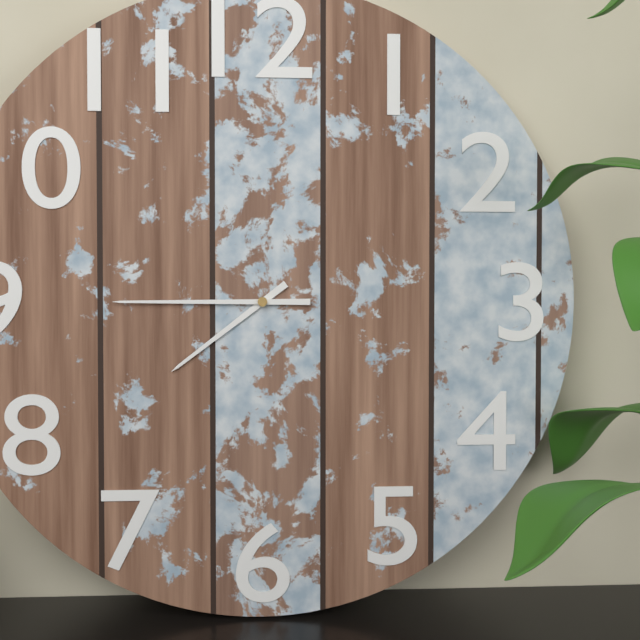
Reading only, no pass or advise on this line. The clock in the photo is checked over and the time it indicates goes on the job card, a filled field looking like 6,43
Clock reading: 7,45
